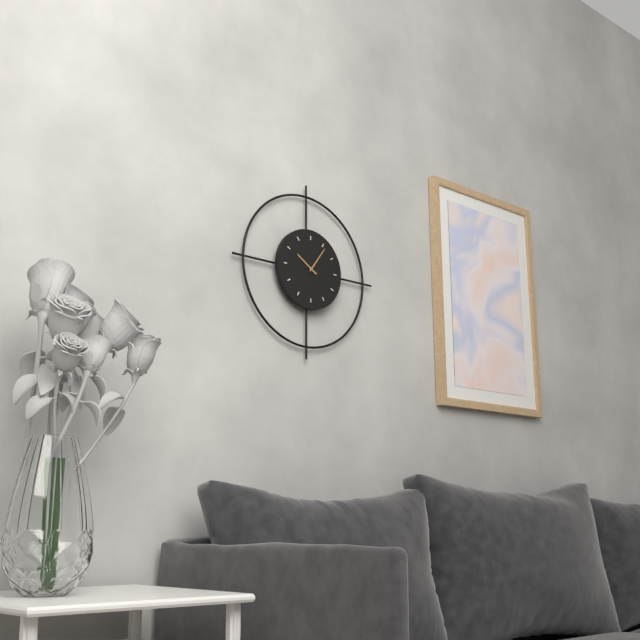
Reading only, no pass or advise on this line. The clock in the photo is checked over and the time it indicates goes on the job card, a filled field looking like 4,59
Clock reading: 10,06
